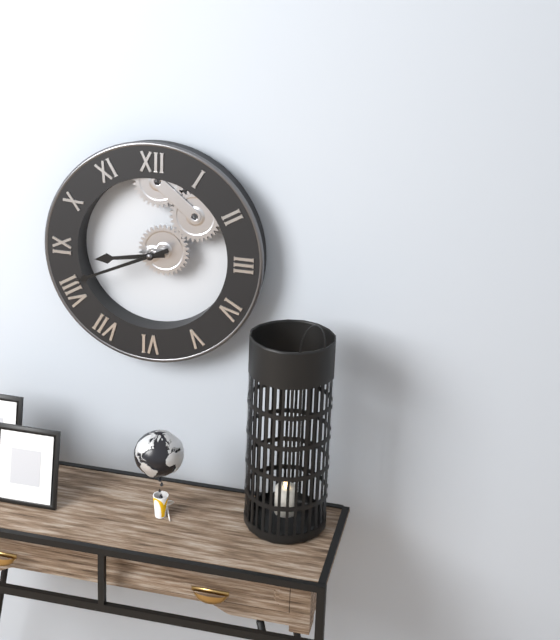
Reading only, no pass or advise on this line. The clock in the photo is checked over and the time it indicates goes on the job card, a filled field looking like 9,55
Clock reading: 8,41
